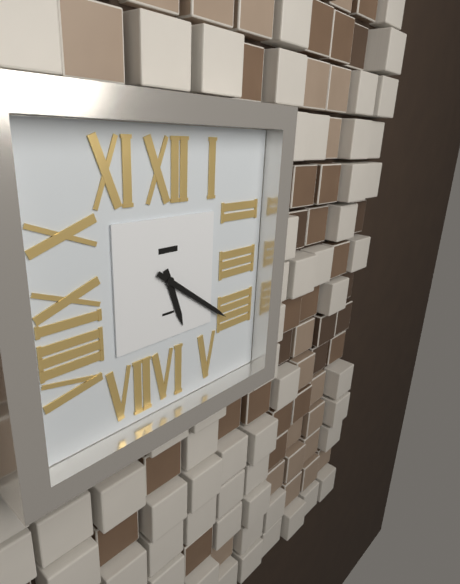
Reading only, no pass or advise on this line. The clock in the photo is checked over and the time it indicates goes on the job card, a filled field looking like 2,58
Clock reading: 5,21
